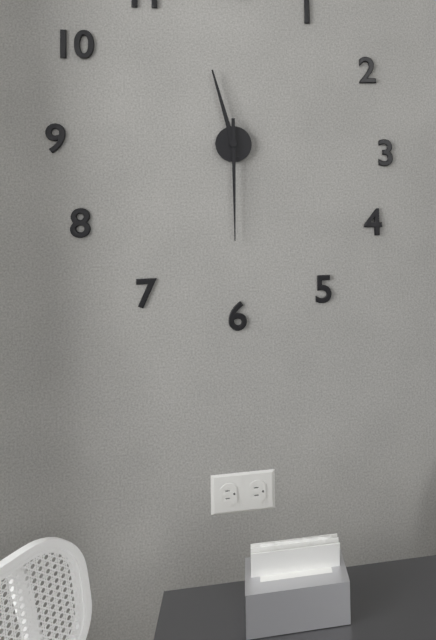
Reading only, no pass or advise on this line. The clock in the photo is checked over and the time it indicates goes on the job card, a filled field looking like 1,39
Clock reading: 11,30
